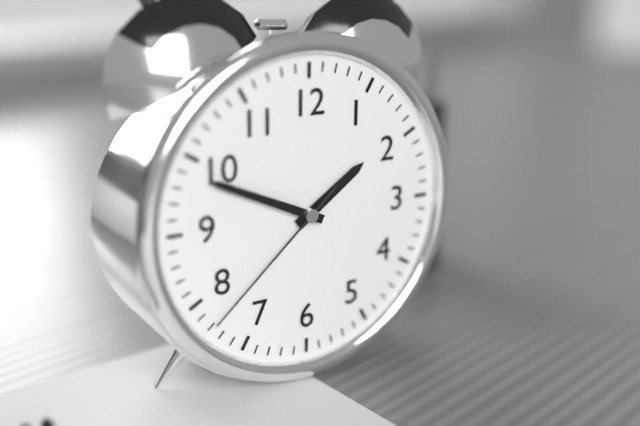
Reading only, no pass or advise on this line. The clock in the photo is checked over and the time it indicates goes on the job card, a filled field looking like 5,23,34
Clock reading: 1,49,38
